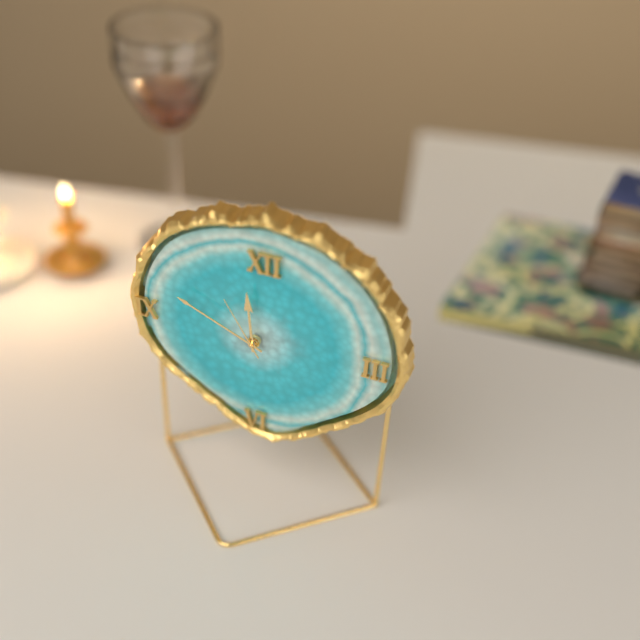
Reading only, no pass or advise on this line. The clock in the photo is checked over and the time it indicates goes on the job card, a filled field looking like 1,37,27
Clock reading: 11,49,55
